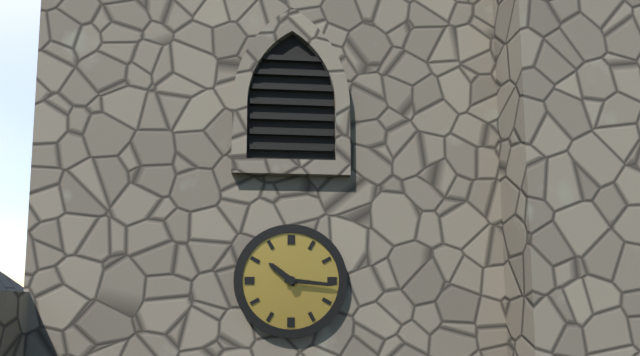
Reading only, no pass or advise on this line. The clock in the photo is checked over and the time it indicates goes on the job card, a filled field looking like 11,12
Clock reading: 10,16
